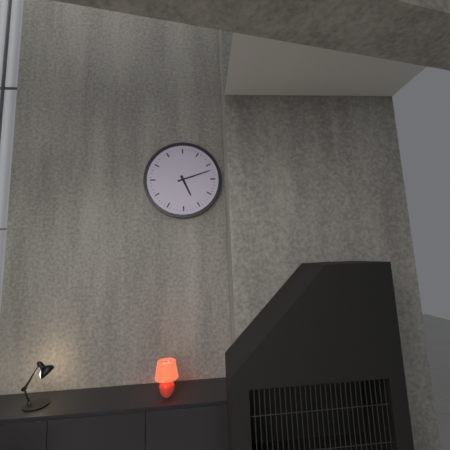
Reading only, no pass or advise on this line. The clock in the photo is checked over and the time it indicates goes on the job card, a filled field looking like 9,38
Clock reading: 5,12
